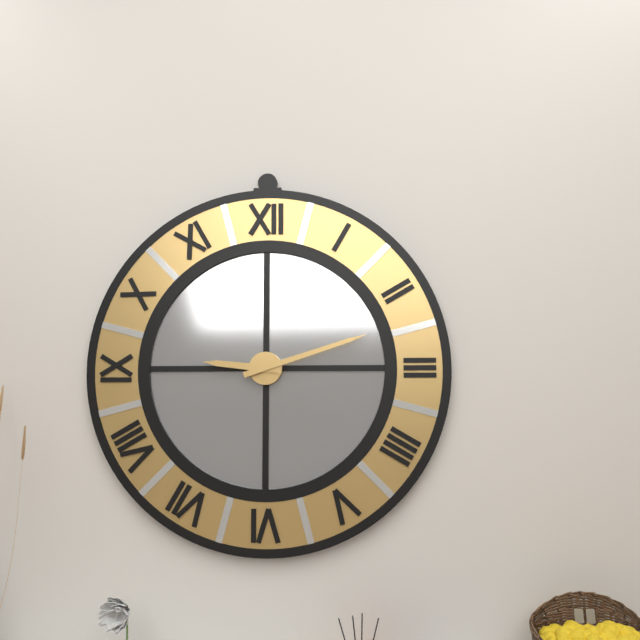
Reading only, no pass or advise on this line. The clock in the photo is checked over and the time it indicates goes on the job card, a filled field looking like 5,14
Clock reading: 9,12
